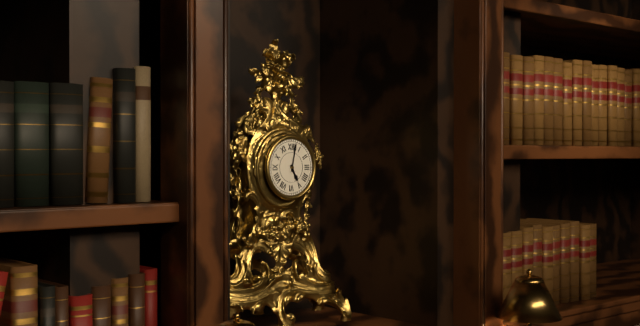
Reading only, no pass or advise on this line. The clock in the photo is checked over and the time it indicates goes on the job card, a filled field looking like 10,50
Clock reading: 5,02
